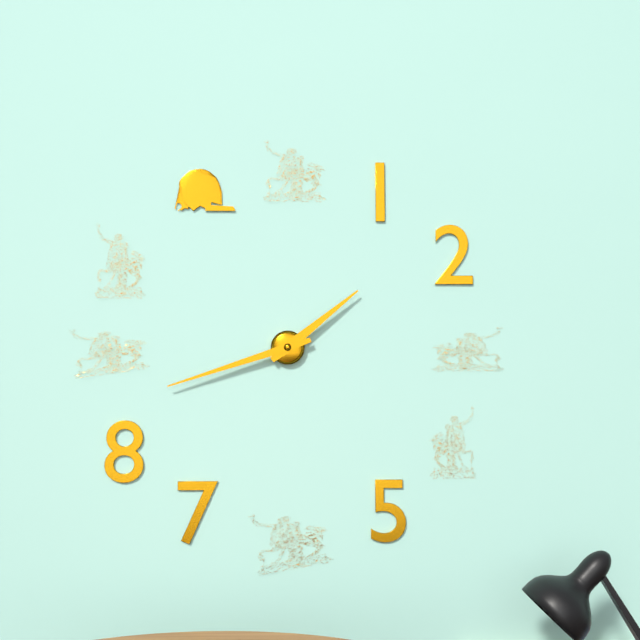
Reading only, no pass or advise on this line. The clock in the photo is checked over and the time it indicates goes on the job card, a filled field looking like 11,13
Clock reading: 1,42
